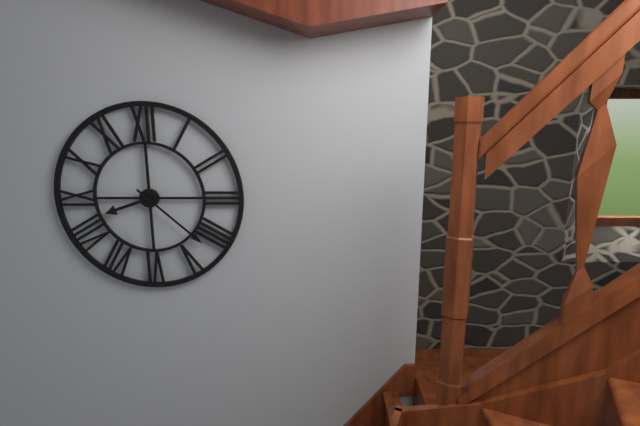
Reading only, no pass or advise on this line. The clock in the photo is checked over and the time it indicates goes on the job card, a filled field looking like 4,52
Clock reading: 8,22
